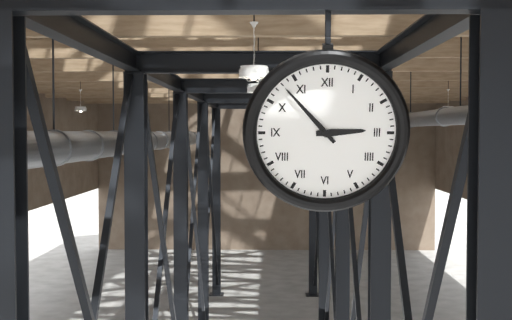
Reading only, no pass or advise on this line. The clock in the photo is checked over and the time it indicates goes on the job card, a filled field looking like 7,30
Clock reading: 2,53
